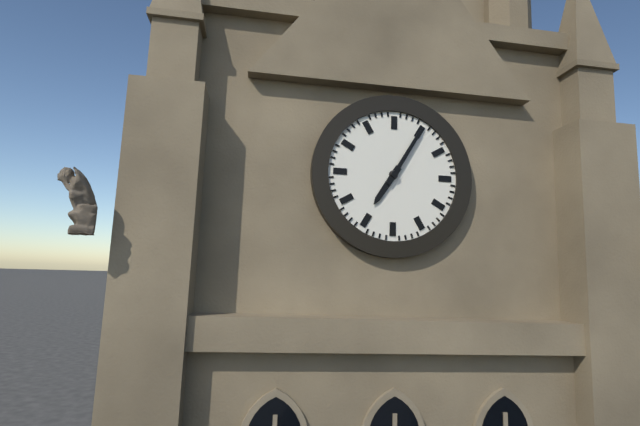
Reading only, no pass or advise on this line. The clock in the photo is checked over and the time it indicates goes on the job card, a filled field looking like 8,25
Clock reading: 7,05
